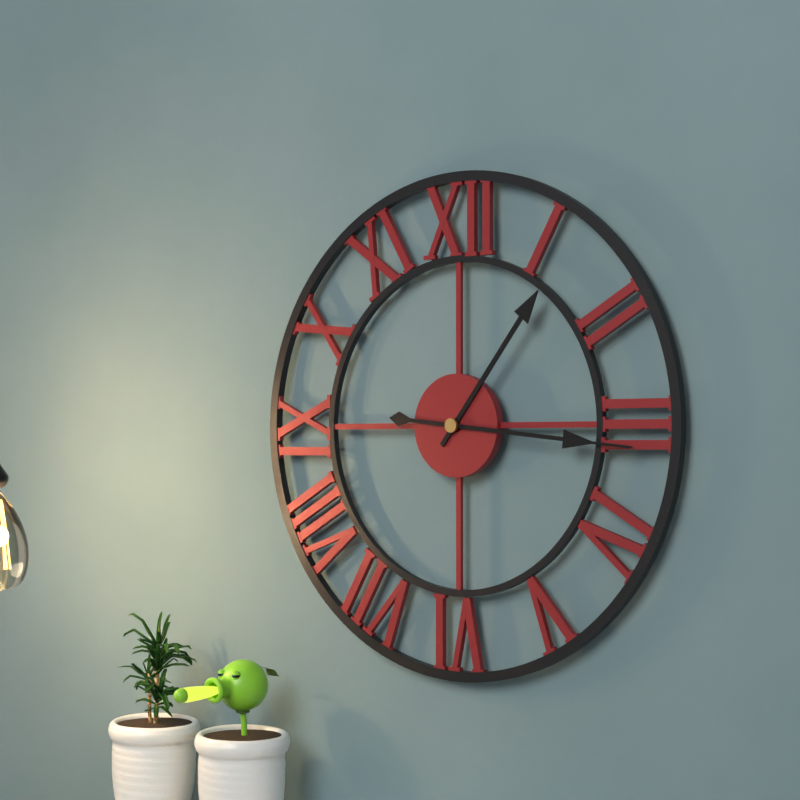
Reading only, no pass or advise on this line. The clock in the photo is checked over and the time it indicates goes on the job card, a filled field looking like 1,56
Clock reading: 1,16
